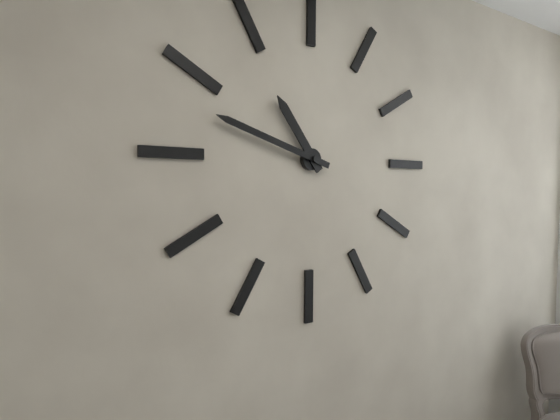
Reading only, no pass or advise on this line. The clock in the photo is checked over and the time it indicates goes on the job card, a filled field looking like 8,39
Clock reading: 10,48
